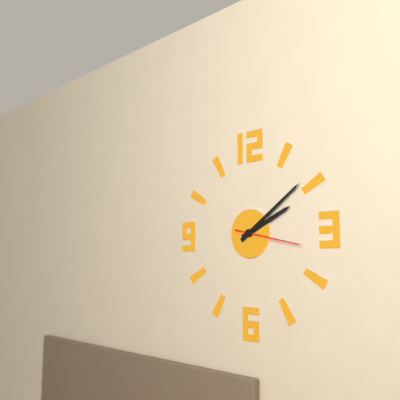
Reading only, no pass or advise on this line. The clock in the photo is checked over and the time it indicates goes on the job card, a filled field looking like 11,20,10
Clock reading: 2,09,17
